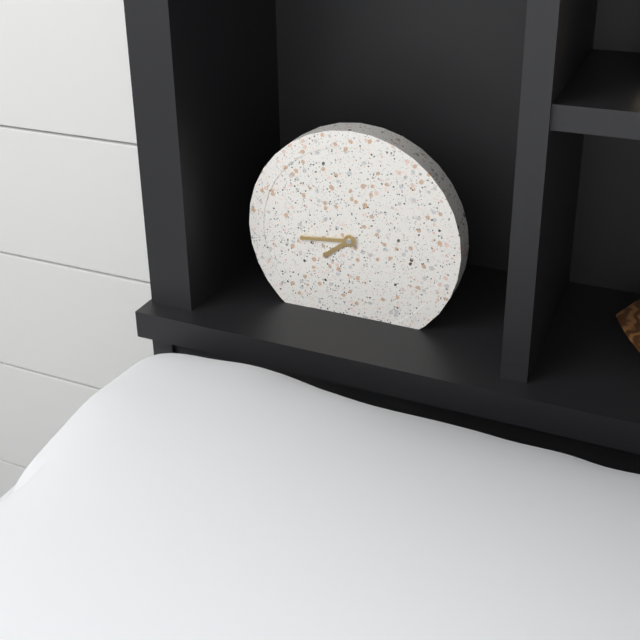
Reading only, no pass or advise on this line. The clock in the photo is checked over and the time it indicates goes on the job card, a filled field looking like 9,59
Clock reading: 7,44
